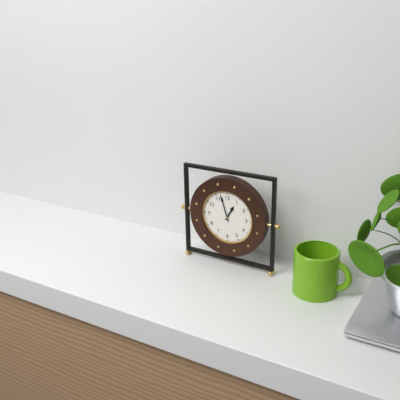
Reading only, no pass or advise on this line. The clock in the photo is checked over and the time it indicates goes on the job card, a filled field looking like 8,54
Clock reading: 12,57
